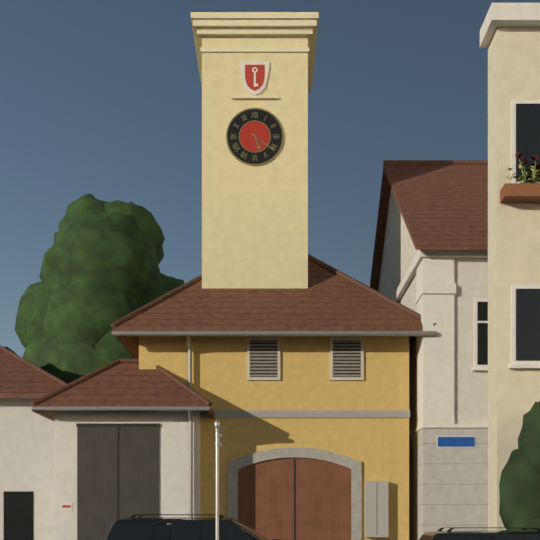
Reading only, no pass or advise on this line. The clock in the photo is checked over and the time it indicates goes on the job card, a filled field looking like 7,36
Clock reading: 5,21
